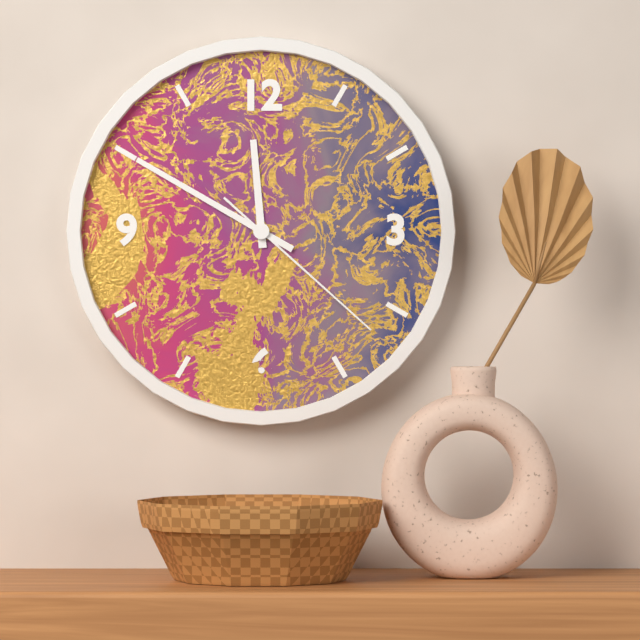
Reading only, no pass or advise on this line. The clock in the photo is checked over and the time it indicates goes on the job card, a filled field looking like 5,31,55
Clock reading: 11,50,22
